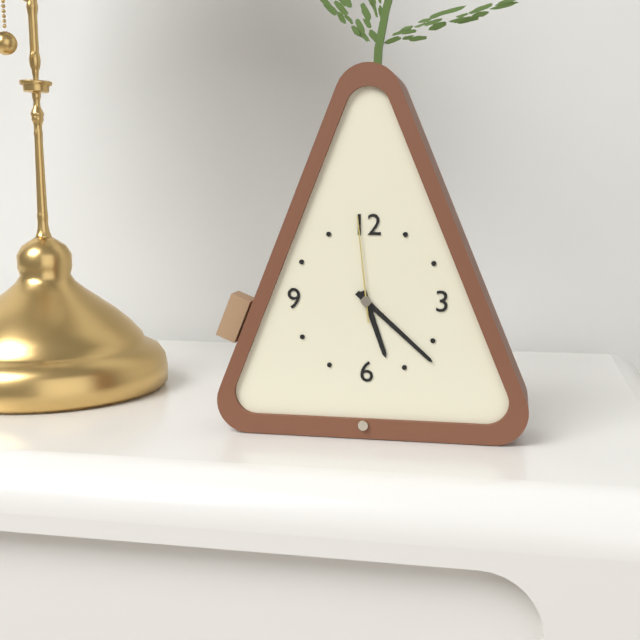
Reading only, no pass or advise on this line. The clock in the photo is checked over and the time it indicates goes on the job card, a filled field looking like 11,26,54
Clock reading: 5,22,59
